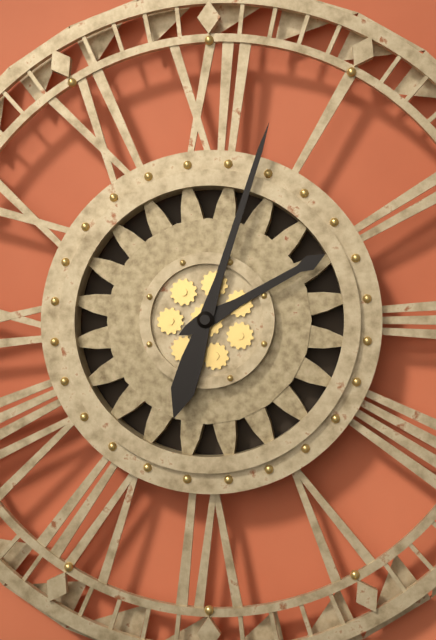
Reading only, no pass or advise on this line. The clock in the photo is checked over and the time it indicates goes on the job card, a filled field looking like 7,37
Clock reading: 2,03
